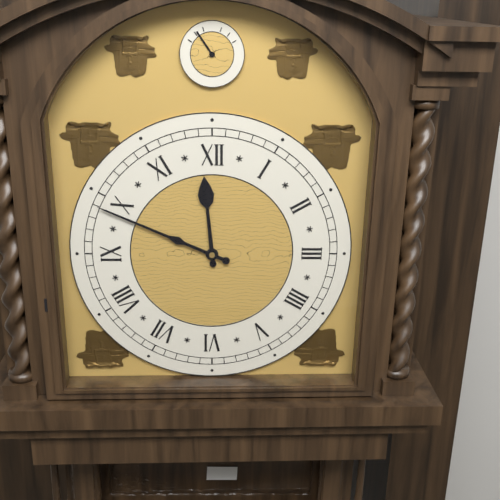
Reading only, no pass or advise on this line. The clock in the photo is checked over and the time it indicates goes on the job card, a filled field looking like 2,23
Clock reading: 11,49
